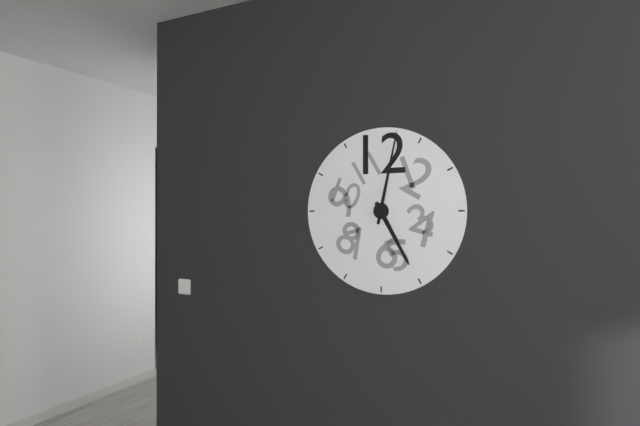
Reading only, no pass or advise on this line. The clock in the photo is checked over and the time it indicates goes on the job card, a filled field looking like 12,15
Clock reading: 5,02
